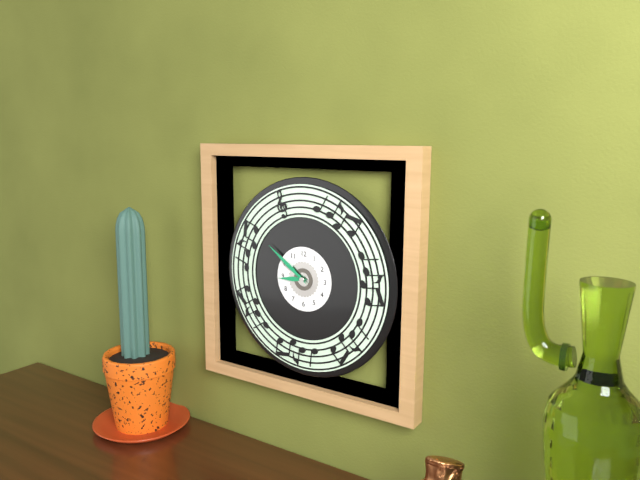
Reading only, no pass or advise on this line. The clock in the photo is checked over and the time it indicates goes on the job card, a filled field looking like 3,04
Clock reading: 8,51
